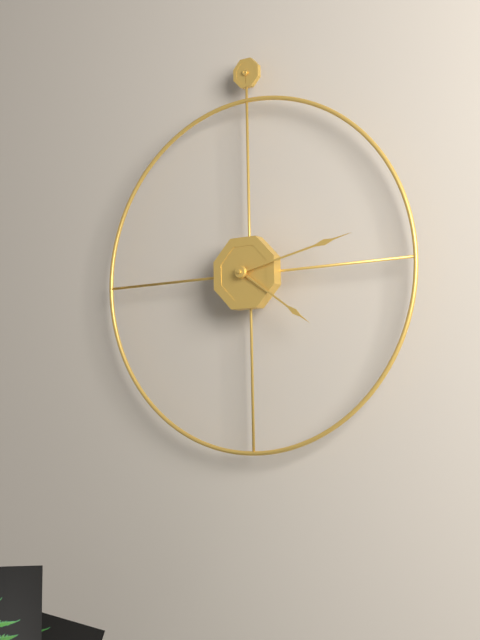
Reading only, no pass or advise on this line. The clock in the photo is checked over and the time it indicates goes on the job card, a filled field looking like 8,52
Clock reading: 4,13
